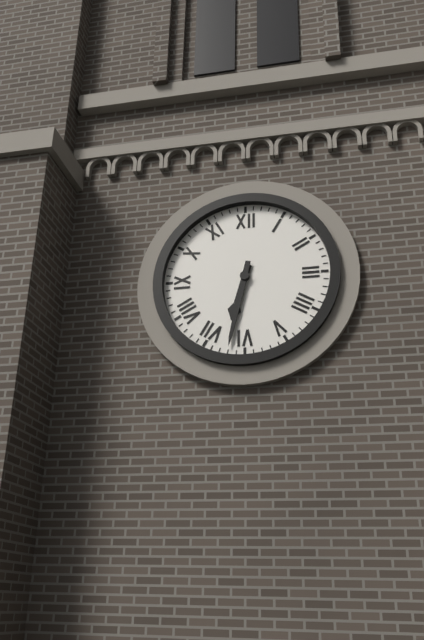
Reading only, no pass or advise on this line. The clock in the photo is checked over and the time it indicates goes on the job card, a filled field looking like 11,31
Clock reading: 6,32
